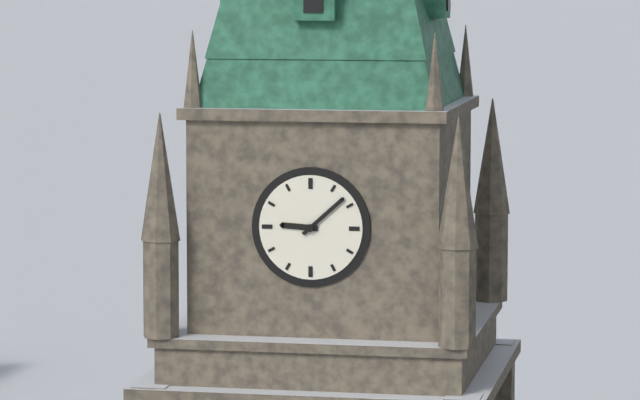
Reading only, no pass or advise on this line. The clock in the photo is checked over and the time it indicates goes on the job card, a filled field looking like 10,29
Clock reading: 9,08
